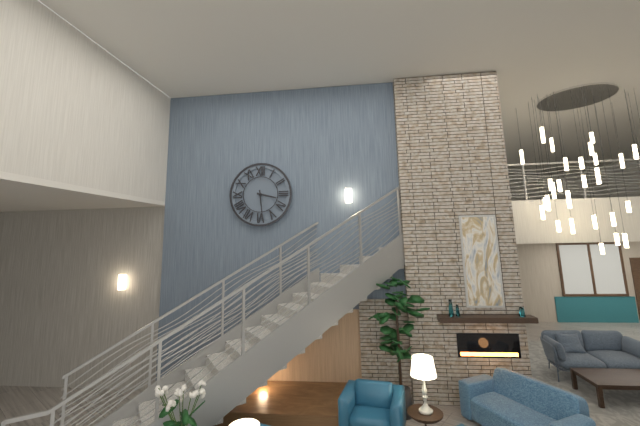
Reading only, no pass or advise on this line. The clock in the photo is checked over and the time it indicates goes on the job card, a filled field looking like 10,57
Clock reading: 3,29
